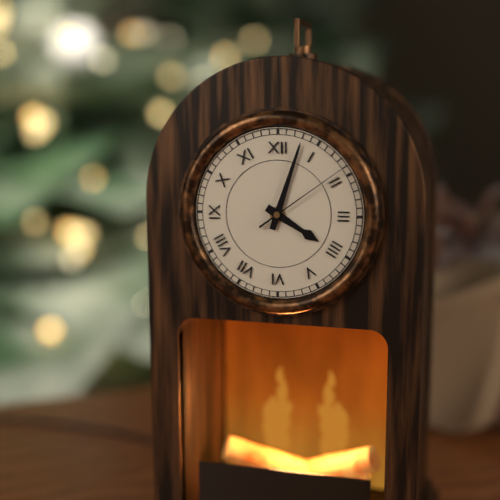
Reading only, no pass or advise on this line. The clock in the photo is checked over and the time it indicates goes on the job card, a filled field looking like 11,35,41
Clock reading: 4,03,09
